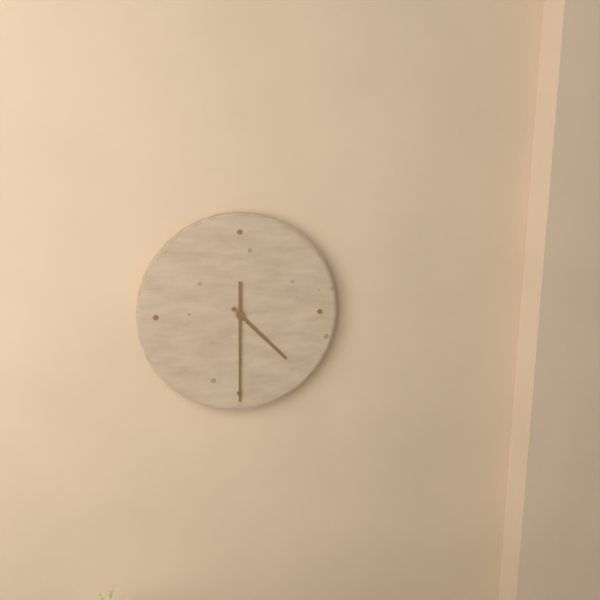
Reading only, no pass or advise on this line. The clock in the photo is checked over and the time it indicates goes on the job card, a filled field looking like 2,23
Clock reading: 4,30
